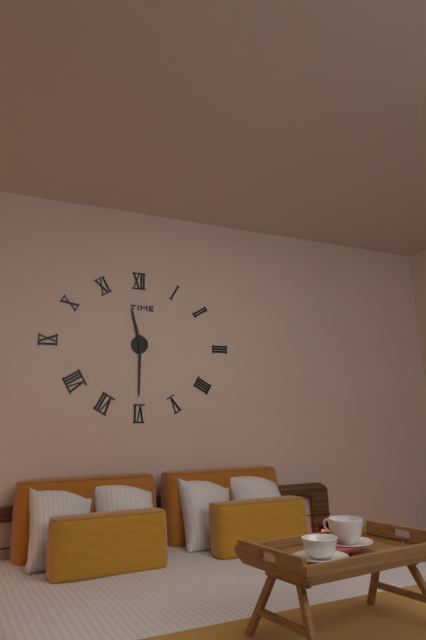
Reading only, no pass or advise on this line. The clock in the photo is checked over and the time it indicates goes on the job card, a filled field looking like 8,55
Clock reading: 11,30
